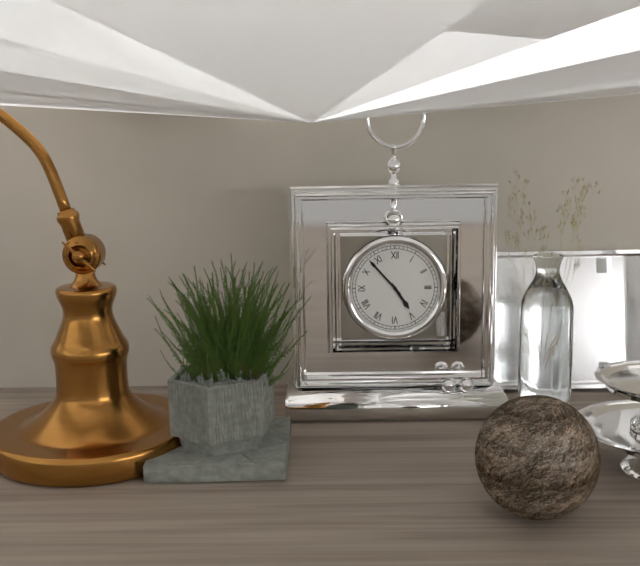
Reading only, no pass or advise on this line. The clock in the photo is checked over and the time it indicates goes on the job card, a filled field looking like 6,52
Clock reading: 4,53
